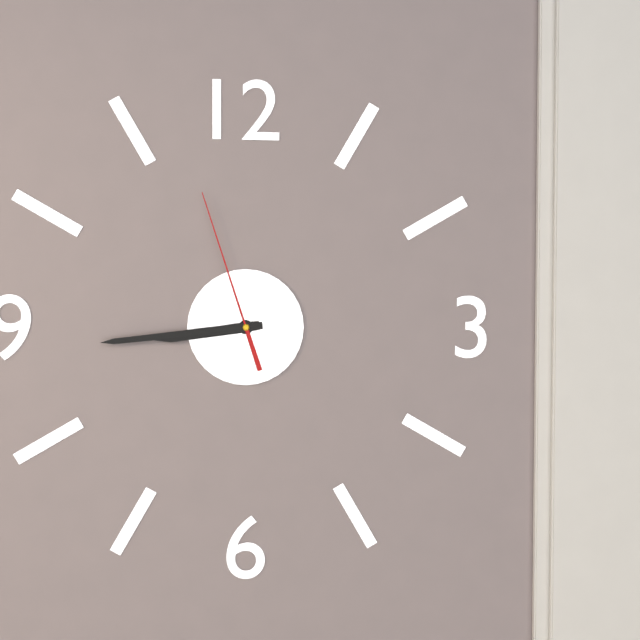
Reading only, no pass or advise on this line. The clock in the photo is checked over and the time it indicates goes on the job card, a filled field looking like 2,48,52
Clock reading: 8,44,57
